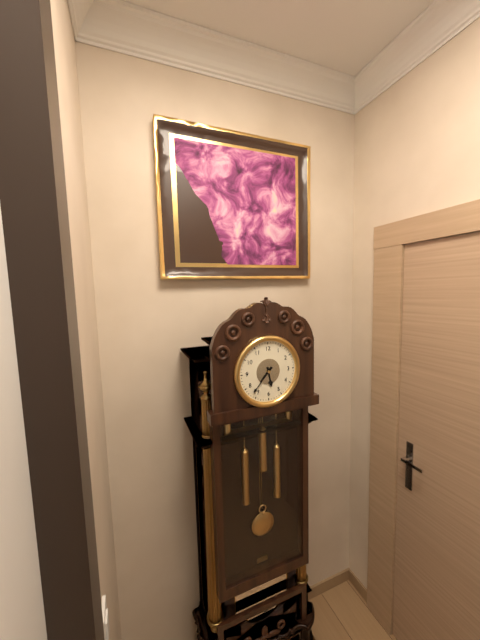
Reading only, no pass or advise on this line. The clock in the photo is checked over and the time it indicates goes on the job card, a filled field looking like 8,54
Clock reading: 5,37
